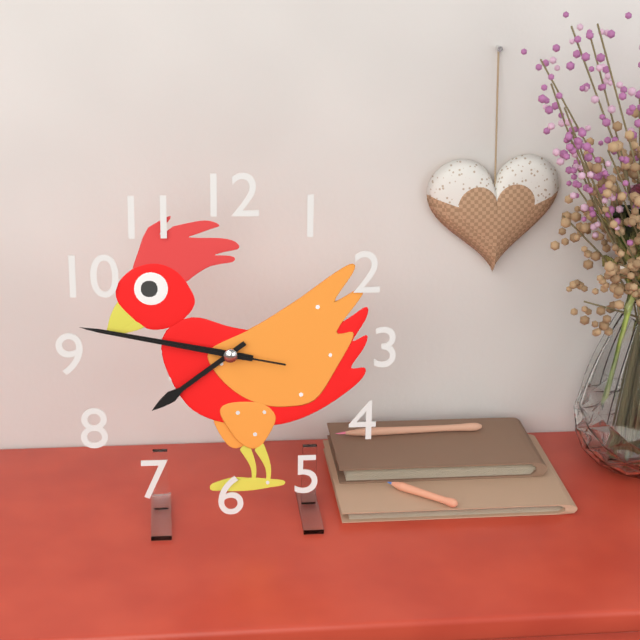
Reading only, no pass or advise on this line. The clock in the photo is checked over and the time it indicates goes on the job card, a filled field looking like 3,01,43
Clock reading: 7,47,47
